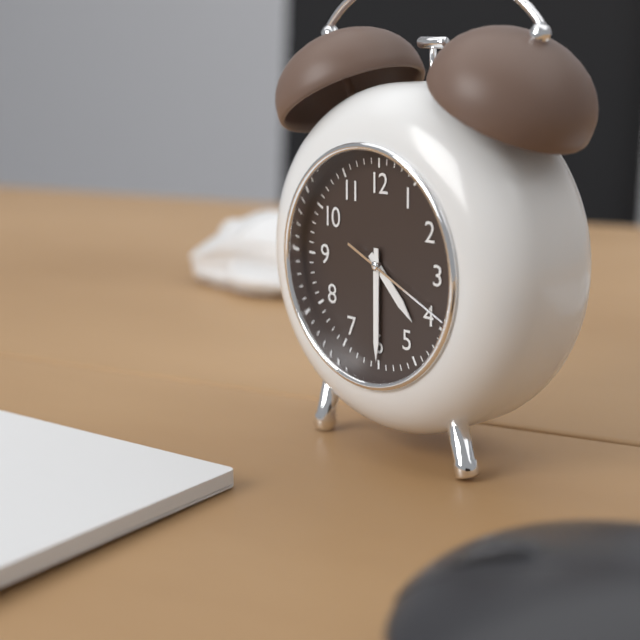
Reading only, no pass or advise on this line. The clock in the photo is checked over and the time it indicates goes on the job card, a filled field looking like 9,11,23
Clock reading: 4,30,19
